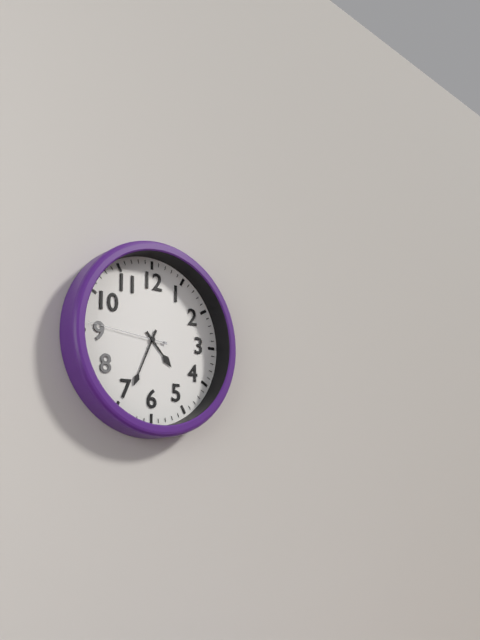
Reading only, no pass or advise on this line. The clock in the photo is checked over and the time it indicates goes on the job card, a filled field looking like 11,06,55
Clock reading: 4,34,46
